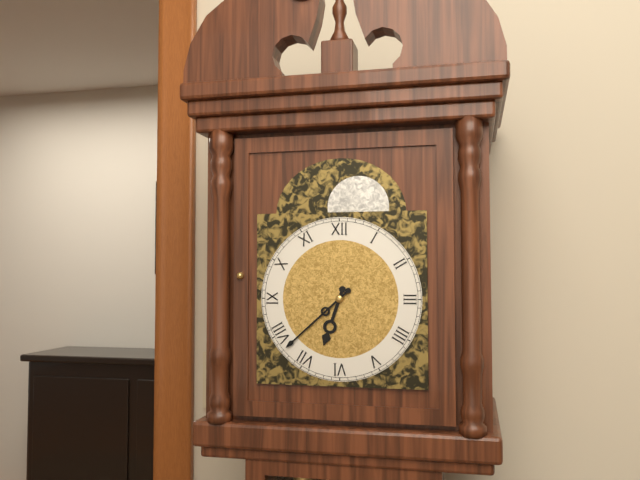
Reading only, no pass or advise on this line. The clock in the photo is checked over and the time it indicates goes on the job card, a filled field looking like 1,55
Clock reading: 6,38
